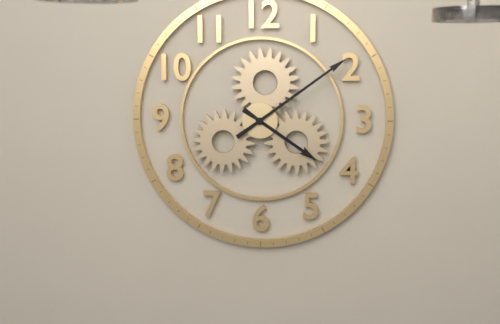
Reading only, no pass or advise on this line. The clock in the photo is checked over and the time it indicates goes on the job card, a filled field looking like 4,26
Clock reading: 4,09
